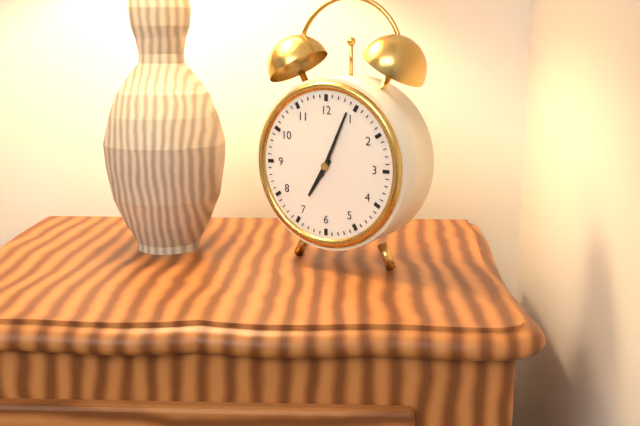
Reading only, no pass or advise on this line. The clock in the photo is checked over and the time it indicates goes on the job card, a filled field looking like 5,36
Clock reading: 7,04
